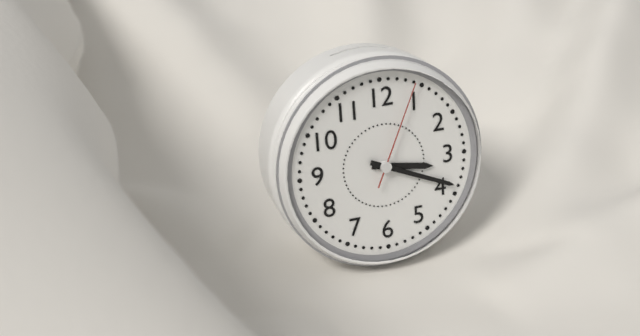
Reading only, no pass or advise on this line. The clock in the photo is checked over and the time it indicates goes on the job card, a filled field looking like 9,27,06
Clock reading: 3,19,04
